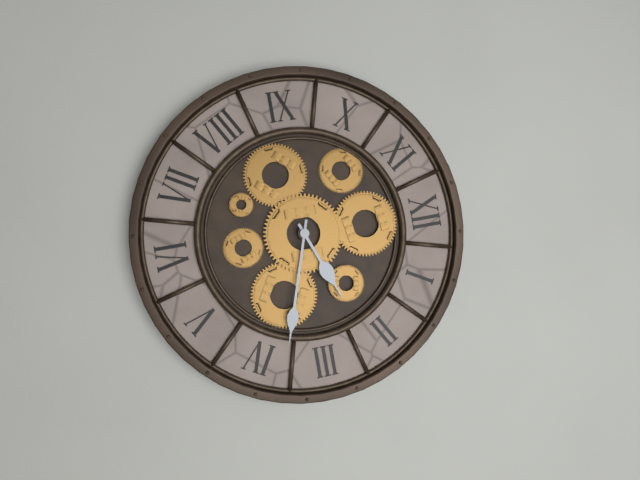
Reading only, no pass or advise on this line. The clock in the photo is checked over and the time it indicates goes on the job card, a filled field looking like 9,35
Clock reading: 2,18
